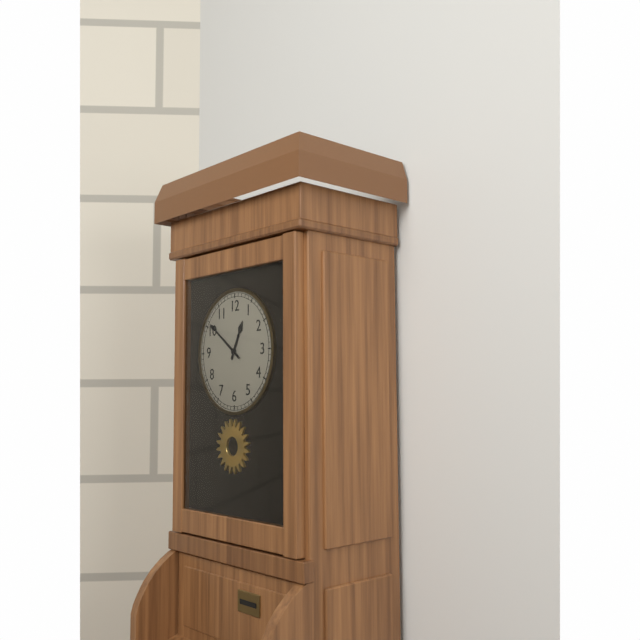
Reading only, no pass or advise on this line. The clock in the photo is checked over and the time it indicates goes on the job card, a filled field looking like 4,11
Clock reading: 12,51
